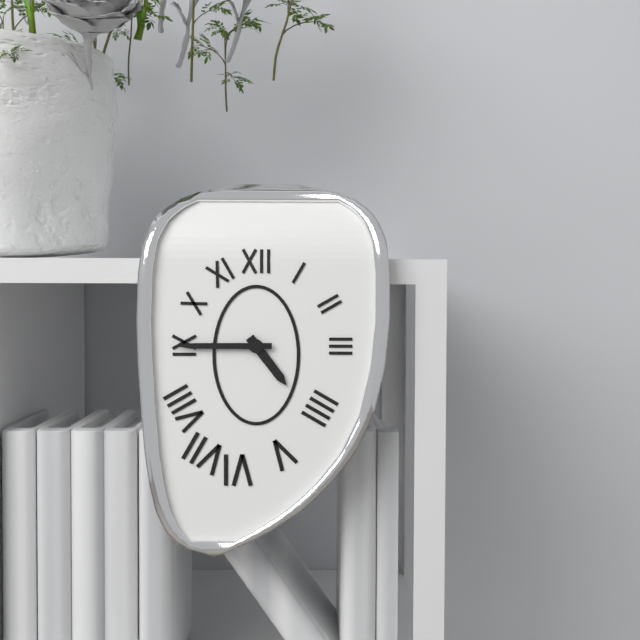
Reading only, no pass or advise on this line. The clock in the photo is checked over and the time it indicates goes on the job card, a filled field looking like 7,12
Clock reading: 4,45
